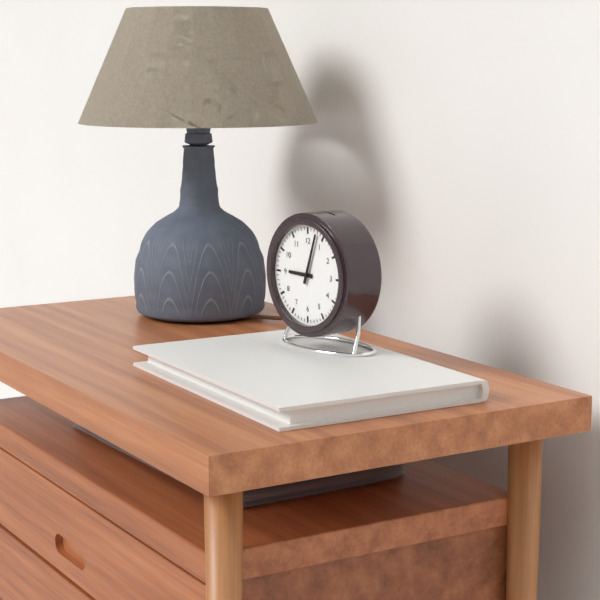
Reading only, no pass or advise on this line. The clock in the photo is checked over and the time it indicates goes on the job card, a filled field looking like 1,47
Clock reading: 9,03
